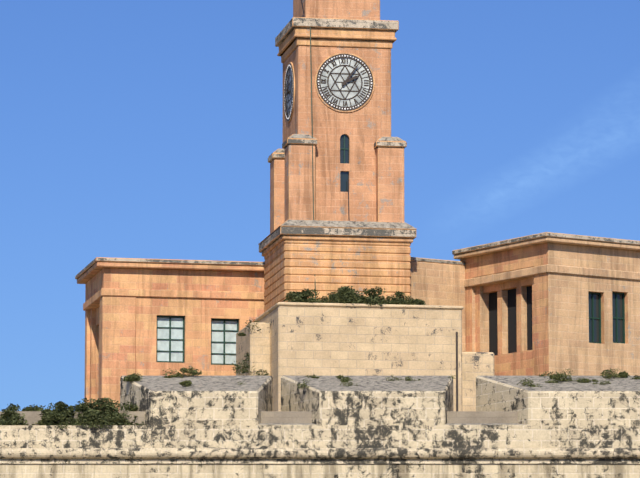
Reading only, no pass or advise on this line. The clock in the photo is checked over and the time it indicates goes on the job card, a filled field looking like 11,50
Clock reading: 2,06
